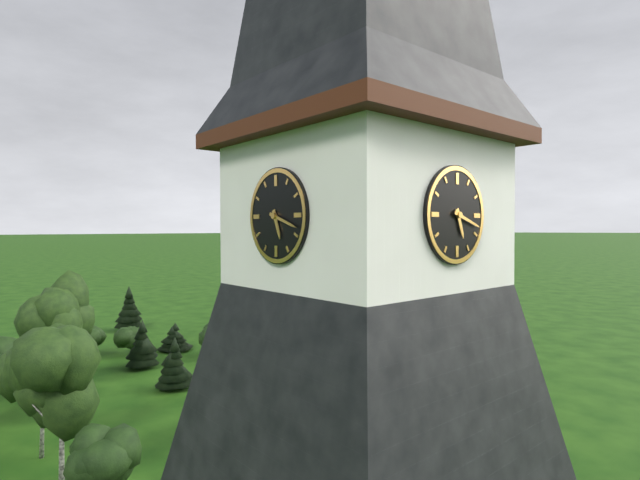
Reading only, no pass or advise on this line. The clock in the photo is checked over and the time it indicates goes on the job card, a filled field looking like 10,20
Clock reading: 5,18
